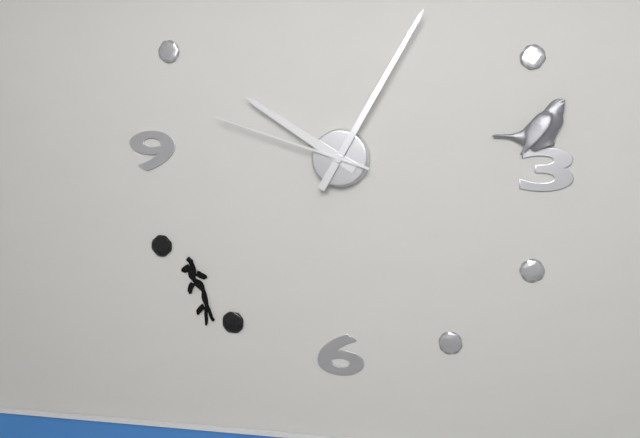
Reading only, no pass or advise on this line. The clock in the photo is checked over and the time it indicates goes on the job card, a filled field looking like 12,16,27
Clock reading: 10,05,48
